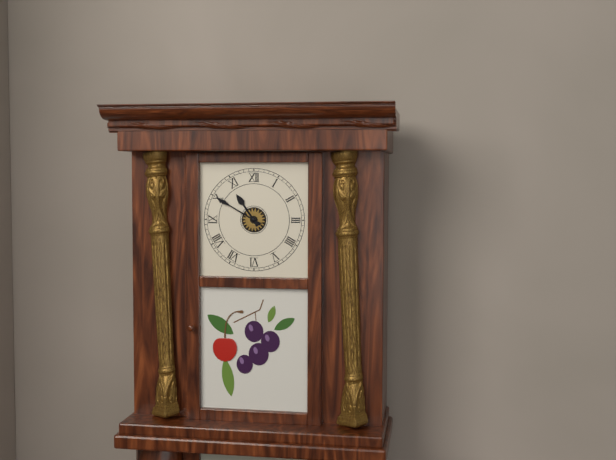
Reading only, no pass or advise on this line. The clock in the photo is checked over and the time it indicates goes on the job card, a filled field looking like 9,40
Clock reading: 10,50
